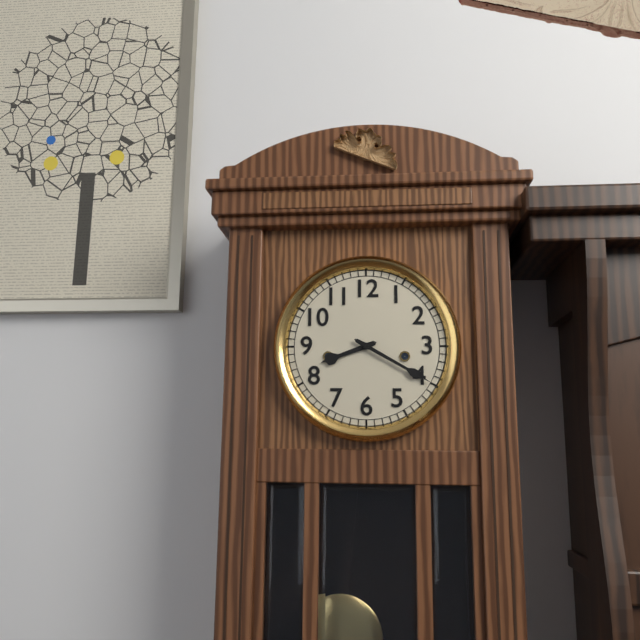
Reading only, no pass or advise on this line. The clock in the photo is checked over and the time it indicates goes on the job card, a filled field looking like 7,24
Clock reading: 8,20
